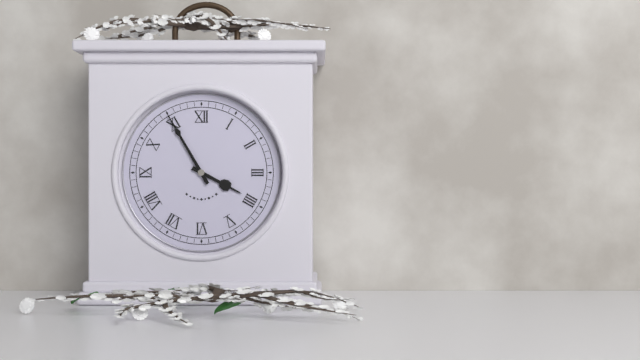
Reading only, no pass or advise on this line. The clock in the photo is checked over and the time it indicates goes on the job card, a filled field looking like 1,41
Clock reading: 3,55
